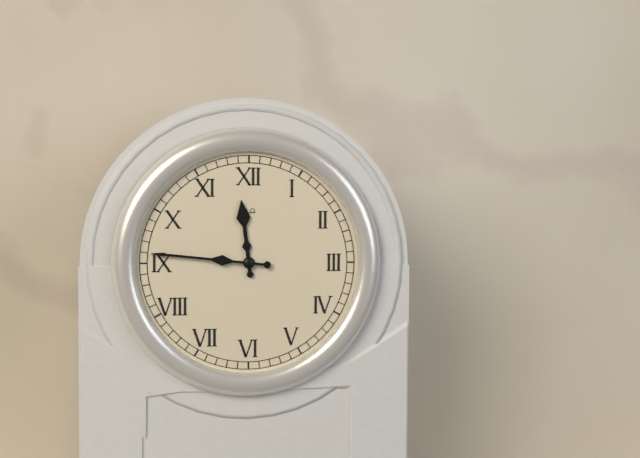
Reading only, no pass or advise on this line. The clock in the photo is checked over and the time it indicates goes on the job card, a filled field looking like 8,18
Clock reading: 11,46
